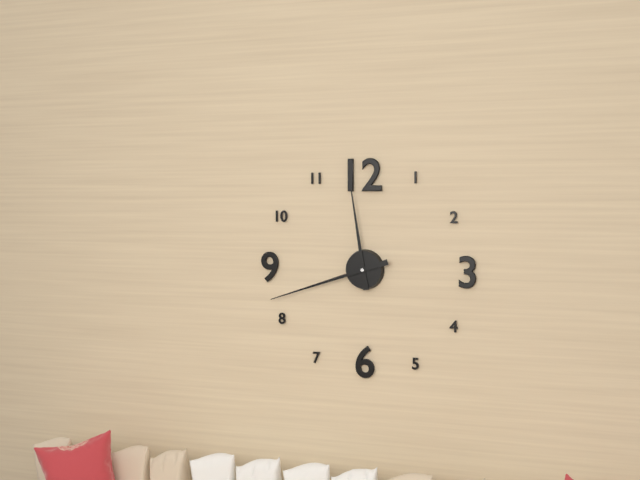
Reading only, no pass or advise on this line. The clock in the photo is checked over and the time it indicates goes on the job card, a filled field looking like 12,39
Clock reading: 11,42
